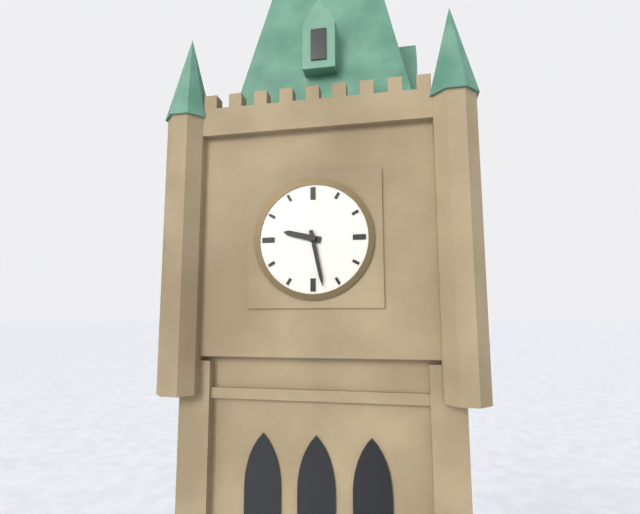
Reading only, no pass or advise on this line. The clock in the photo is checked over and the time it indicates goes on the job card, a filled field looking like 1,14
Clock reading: 9,28
